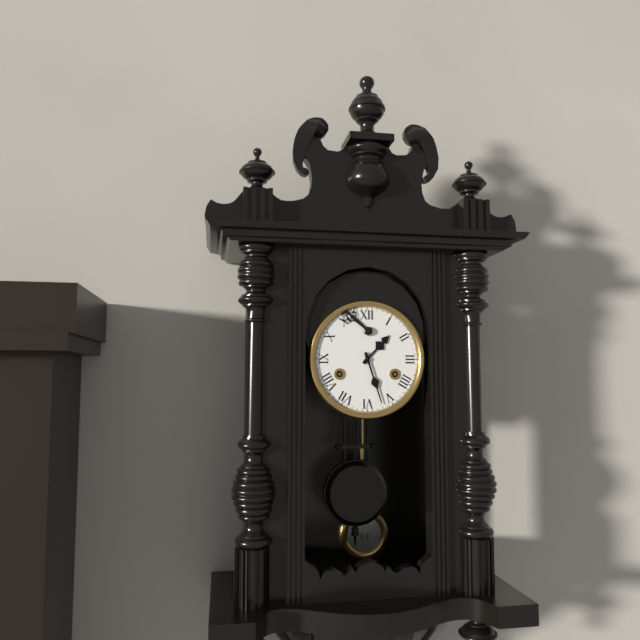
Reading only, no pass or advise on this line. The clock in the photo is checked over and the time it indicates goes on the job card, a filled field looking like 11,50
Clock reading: 1,27
